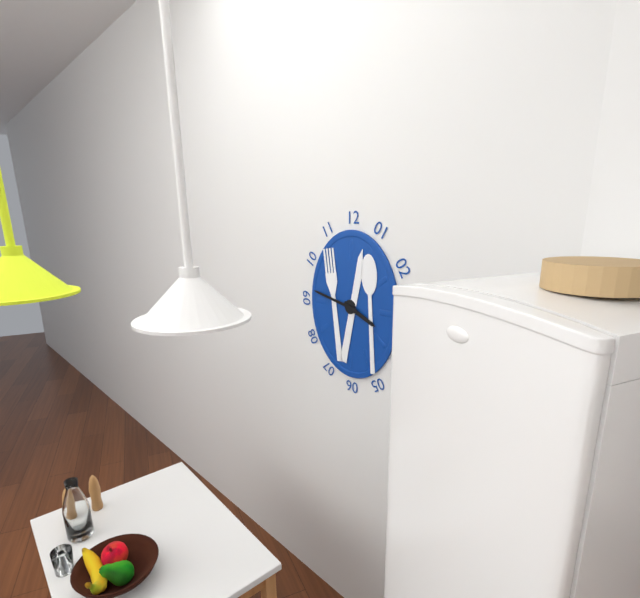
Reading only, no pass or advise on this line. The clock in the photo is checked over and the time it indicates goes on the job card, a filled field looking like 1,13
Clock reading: 3,47
